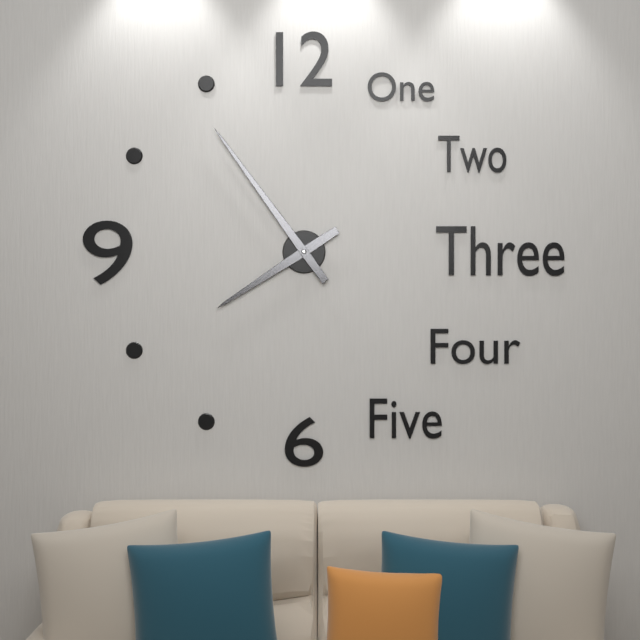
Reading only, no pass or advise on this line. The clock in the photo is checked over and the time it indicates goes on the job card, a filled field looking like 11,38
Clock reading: 7,54
